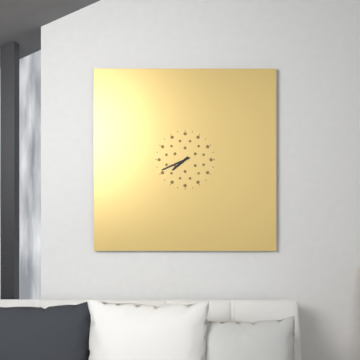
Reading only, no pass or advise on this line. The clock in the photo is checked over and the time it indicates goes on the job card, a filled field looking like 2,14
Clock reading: 7,41
